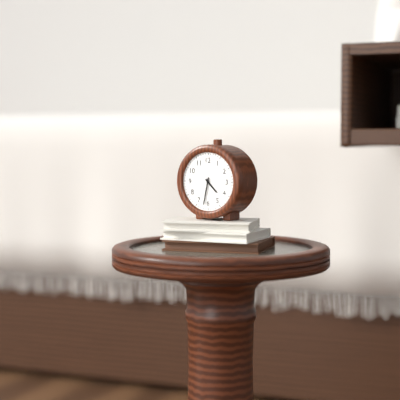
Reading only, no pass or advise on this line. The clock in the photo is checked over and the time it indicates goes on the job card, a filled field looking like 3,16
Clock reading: 4,32
